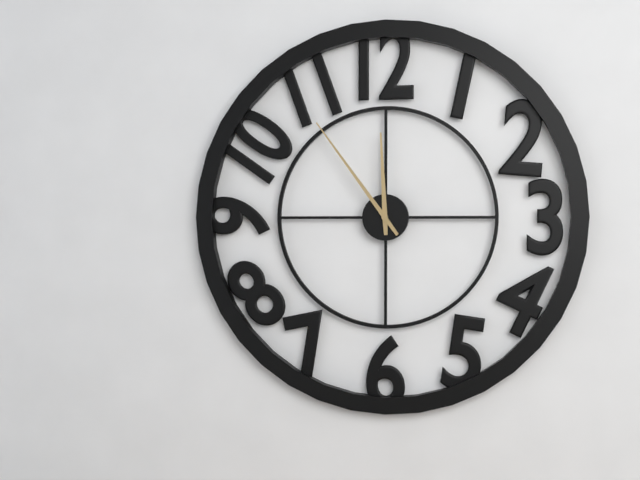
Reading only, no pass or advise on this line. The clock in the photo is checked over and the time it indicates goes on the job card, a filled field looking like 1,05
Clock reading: 11,54
